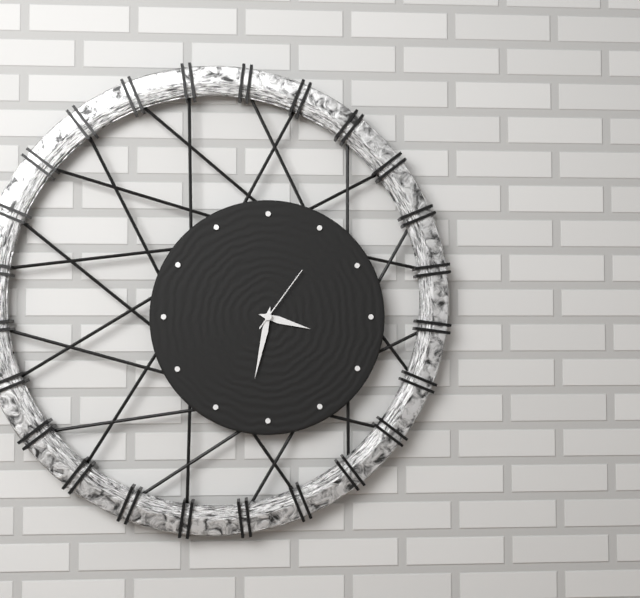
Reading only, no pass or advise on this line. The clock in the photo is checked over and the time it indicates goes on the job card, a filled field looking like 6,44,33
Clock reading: 3,32,06
